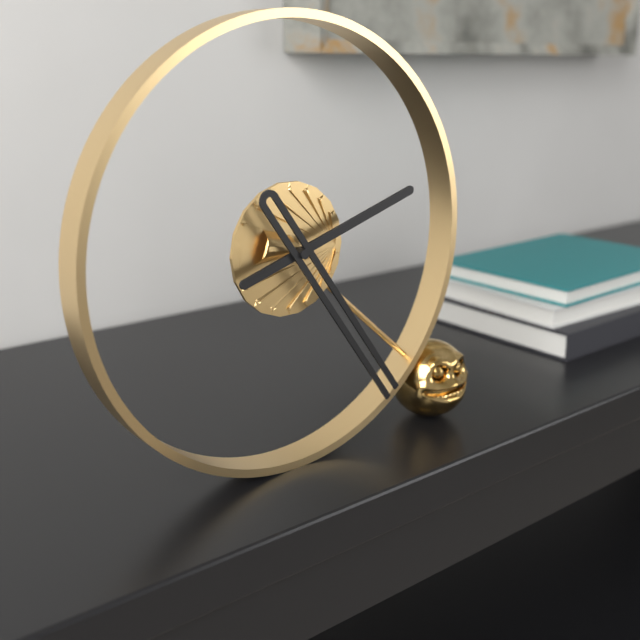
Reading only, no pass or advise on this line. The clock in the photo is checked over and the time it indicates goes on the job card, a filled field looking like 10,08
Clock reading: 2,24
